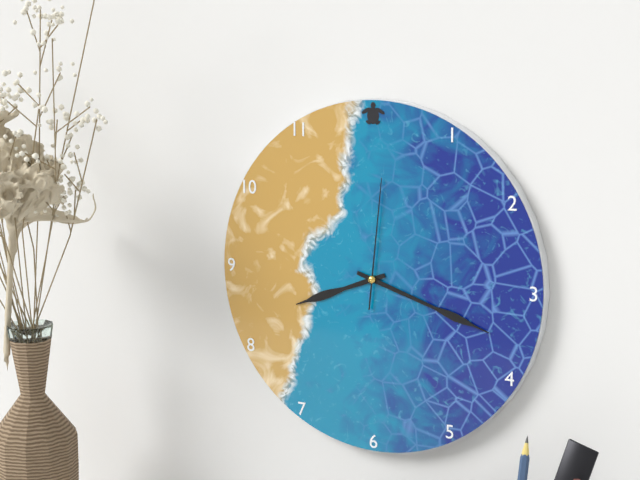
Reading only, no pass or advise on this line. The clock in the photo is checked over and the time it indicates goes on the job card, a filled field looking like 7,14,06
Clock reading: 8,18,01
